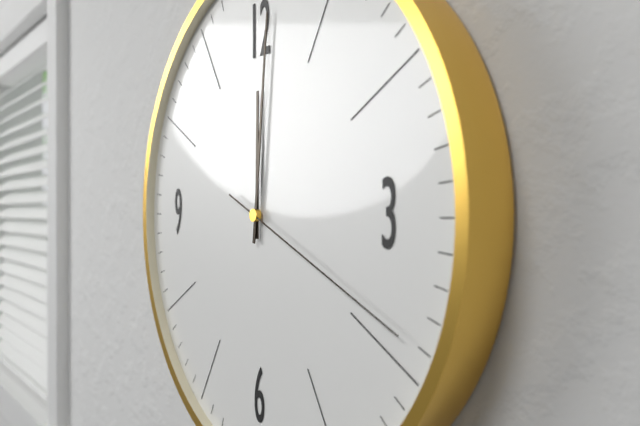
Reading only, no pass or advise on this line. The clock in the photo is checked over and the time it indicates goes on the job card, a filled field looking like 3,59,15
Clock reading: 12,01,19
